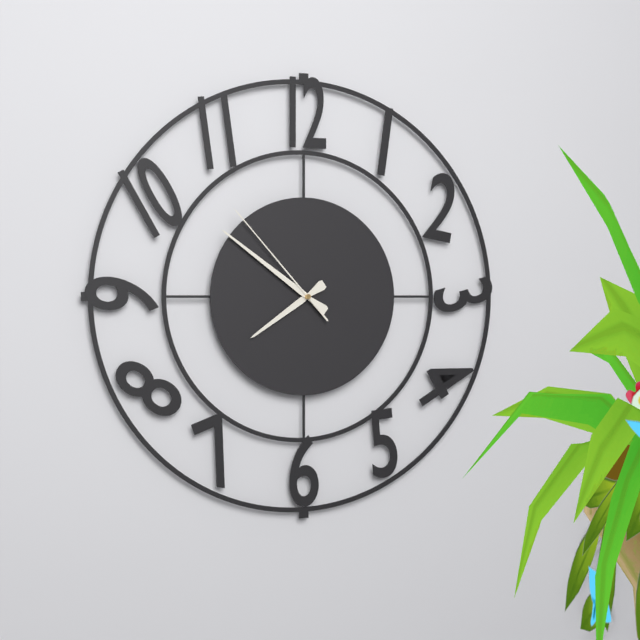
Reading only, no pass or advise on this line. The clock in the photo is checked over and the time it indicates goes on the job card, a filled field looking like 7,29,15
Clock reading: 7,51,53
